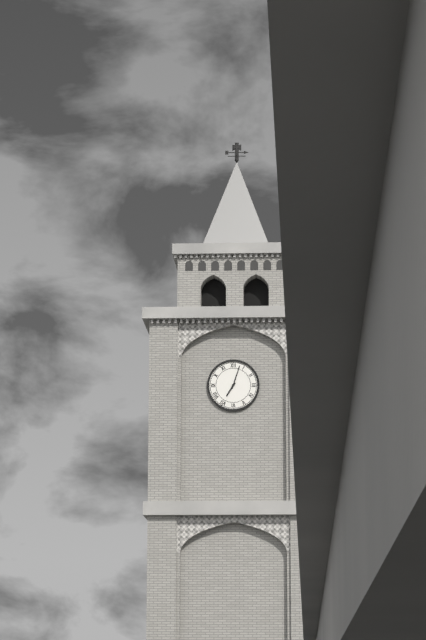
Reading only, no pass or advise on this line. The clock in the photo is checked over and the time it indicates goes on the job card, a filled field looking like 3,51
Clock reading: 7,03
